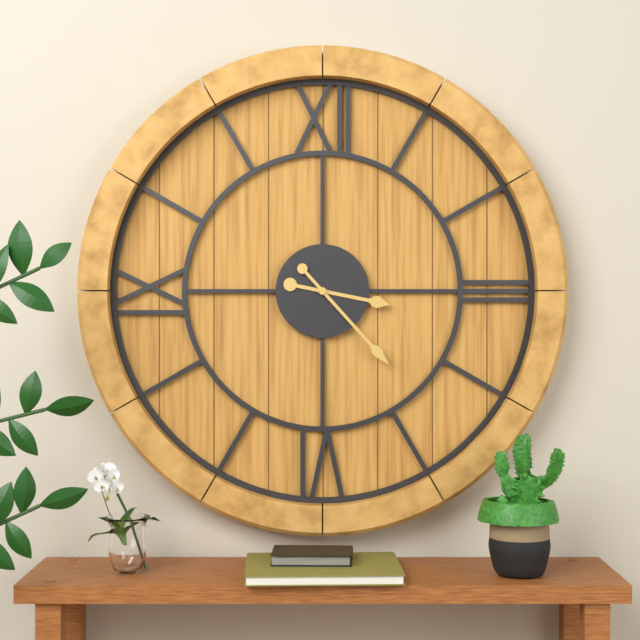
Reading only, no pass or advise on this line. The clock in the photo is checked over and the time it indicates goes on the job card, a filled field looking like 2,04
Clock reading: 3,23
